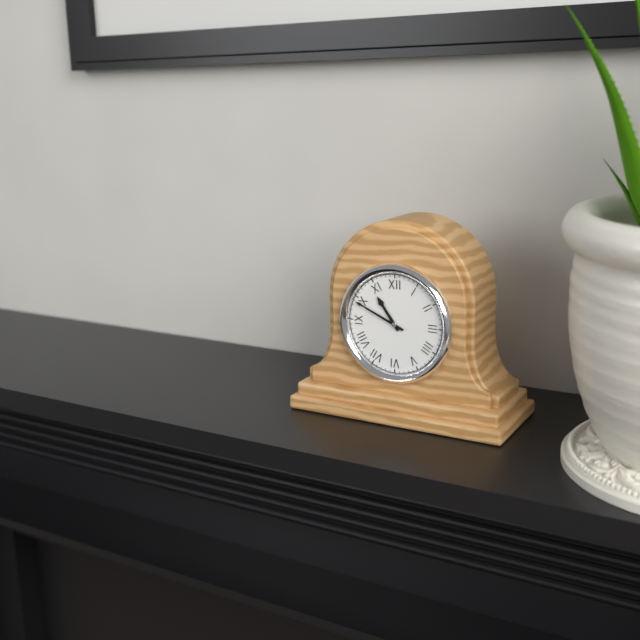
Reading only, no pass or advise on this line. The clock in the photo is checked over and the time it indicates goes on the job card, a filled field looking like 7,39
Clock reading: 10,49
